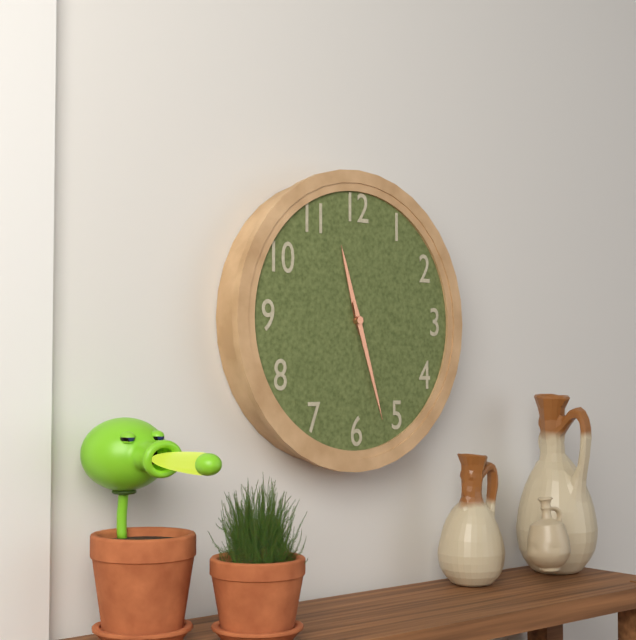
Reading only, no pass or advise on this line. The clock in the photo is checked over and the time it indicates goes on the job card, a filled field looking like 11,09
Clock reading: 11,27
